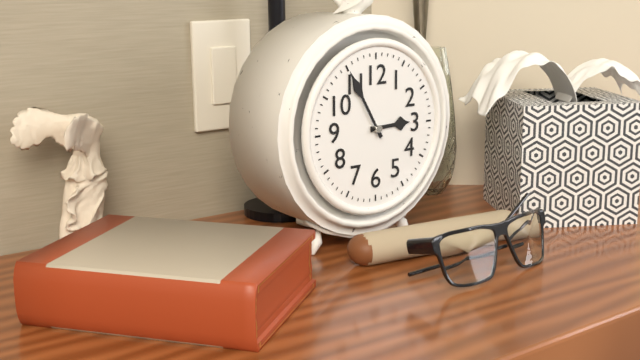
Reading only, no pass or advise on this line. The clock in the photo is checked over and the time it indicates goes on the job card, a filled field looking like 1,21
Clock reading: 2,55
